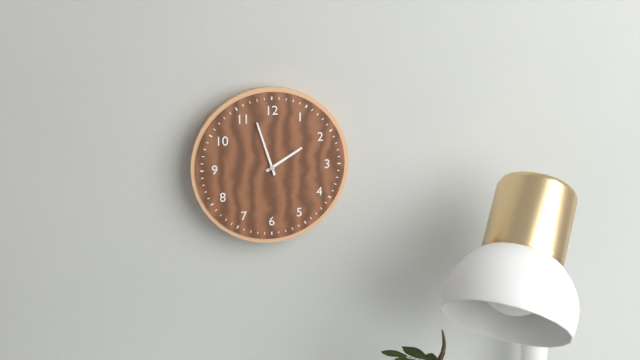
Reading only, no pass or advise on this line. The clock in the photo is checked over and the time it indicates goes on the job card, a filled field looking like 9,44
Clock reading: 1,57
